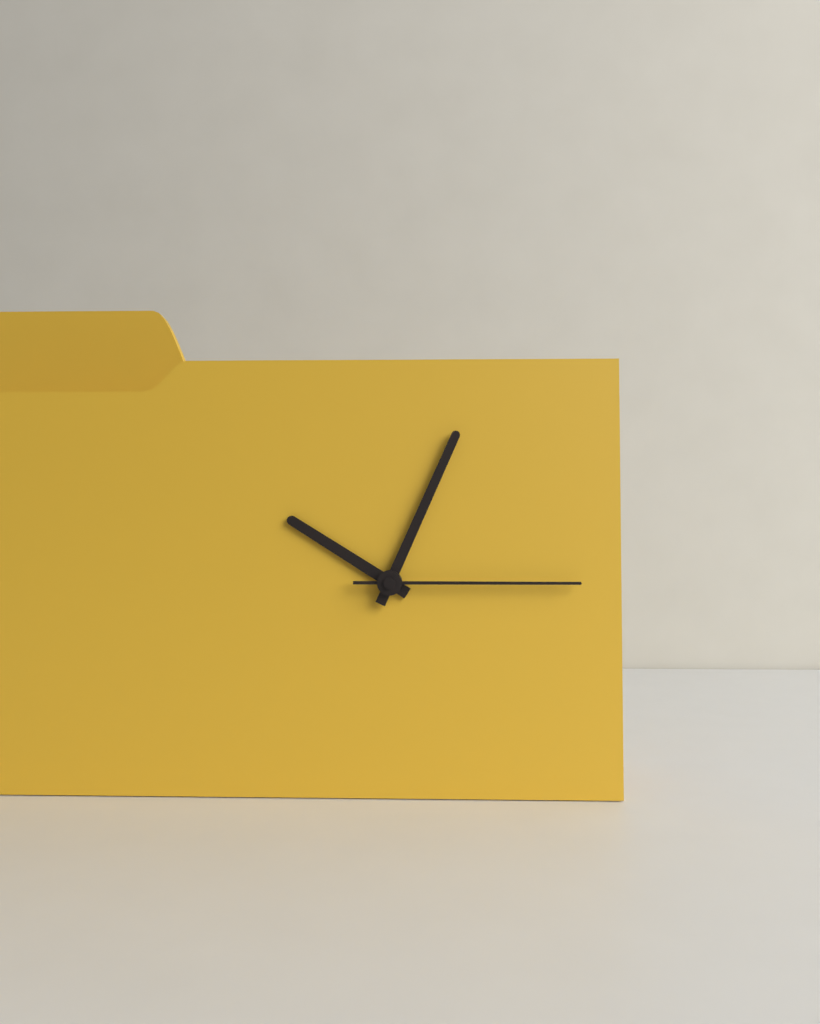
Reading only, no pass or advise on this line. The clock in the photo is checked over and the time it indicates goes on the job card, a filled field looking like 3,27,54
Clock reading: 10,04,15
